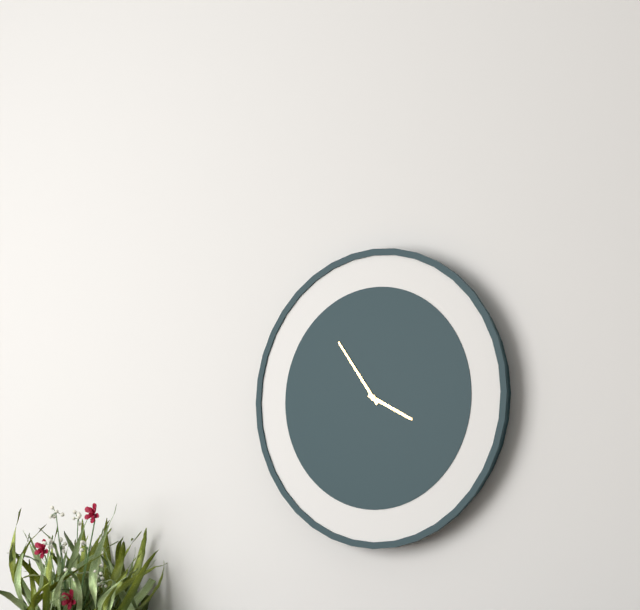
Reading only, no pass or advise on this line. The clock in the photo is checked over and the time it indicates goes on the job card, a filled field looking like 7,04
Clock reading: 3,54
